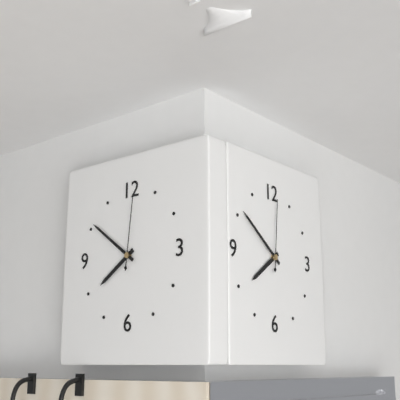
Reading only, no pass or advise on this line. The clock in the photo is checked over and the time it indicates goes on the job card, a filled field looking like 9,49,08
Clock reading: 7,51,01
